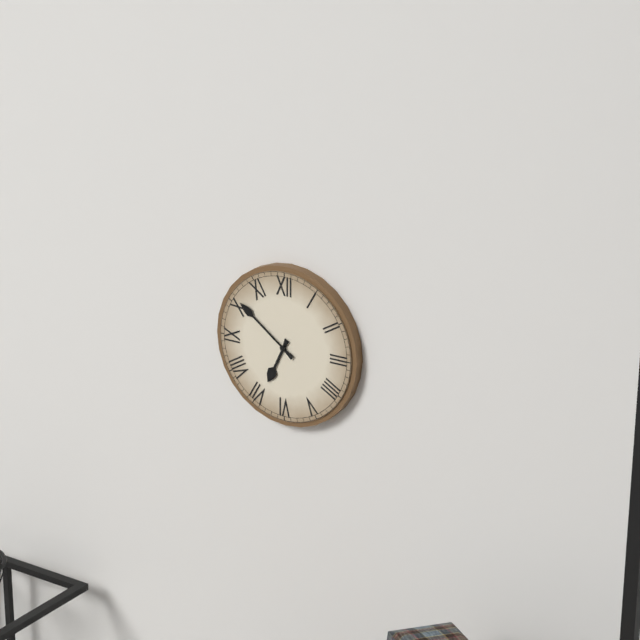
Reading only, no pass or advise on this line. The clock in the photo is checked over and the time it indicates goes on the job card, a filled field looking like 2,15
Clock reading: 6,51
